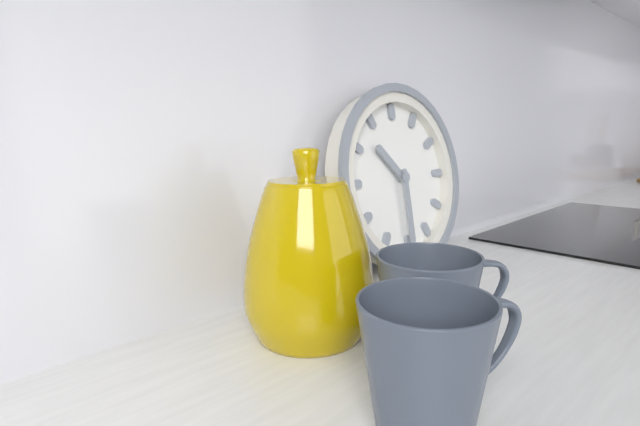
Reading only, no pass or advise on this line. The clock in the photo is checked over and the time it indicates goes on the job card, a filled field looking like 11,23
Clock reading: 10,30
